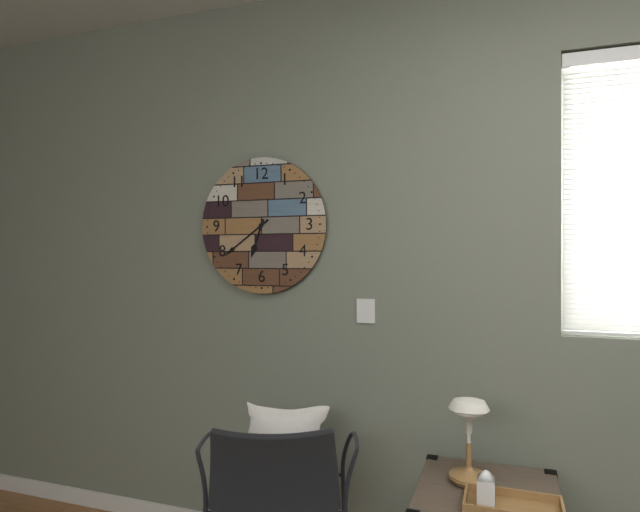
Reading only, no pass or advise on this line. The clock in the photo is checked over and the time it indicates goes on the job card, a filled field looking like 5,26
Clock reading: 6,39
